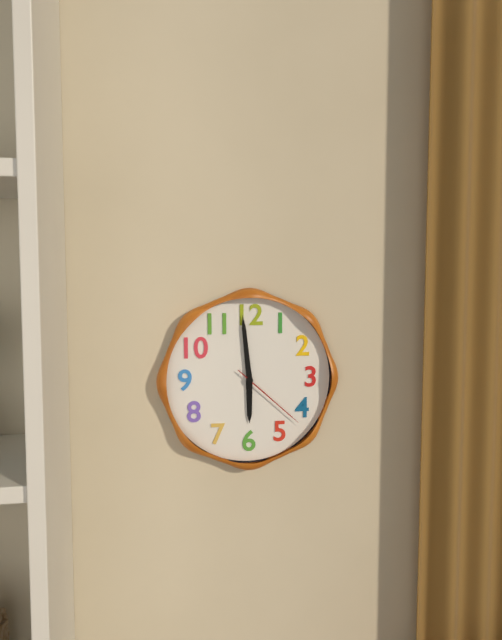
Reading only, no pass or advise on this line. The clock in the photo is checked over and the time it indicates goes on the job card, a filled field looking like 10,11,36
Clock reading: 5,59,22
